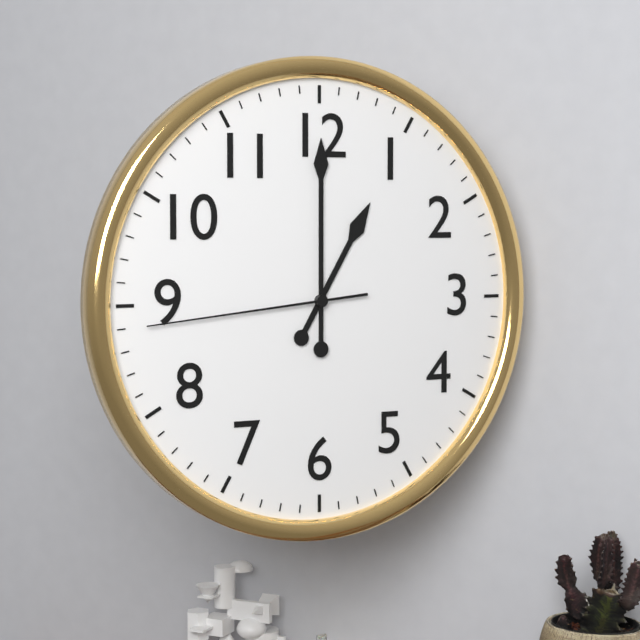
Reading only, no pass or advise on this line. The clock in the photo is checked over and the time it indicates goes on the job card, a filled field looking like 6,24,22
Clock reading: 1,00,44
